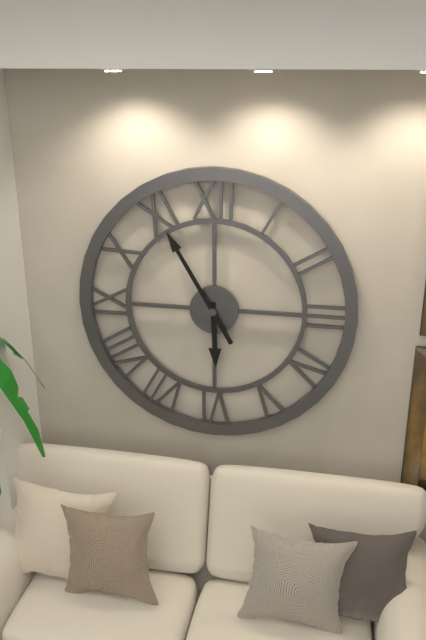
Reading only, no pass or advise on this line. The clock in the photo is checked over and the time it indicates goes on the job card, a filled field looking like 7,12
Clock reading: 5,55
